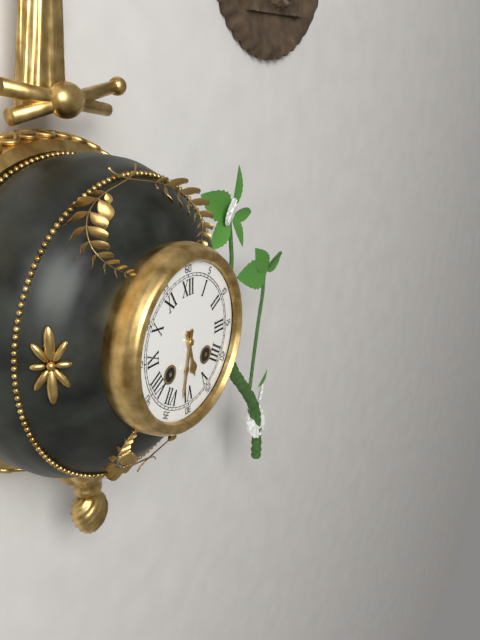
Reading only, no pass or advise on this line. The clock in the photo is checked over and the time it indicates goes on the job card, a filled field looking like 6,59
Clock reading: 5,32
